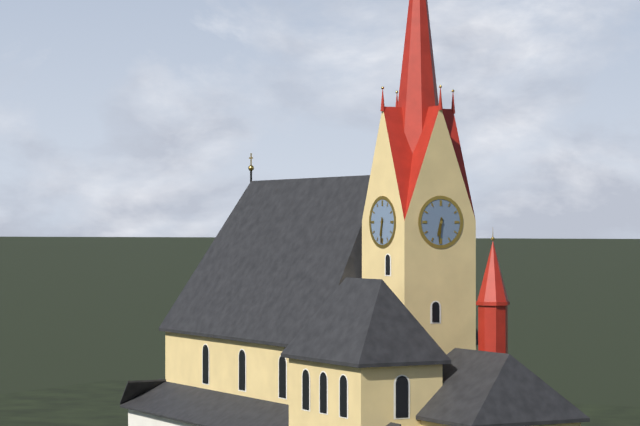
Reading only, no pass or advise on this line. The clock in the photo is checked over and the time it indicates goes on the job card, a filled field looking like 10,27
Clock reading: 6,31
